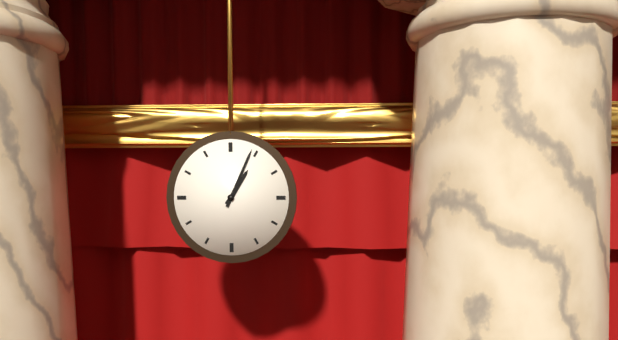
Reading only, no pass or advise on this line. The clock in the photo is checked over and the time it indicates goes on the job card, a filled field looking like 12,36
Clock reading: 1,04
